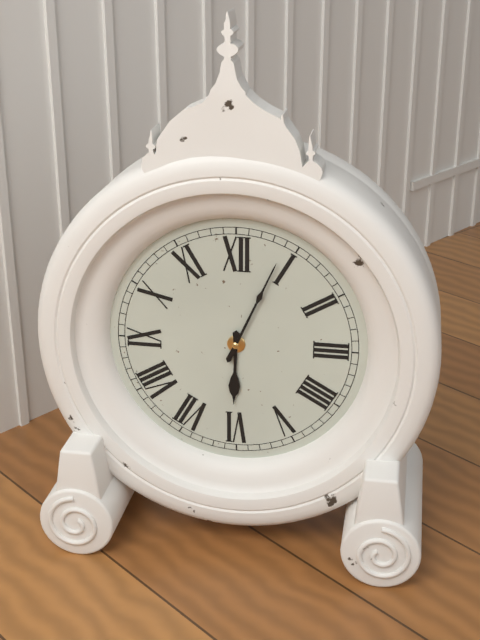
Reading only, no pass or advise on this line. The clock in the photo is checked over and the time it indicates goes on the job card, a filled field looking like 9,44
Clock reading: 6,04
